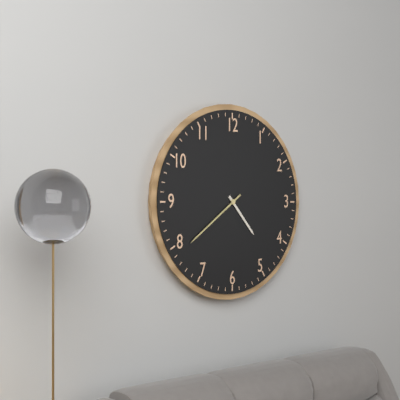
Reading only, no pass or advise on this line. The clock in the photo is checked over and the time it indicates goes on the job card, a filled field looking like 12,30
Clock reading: 4,39
